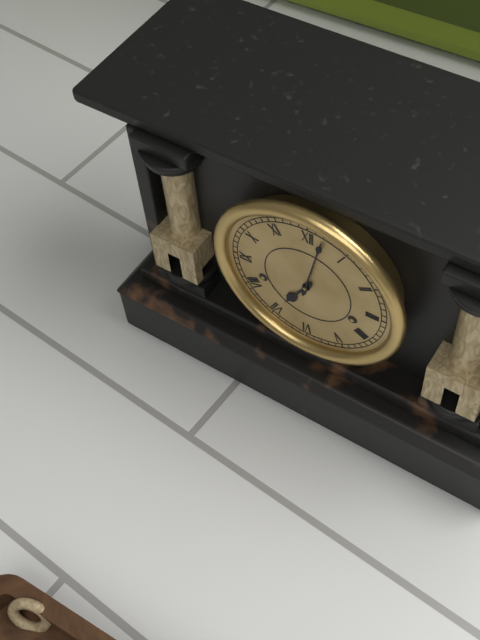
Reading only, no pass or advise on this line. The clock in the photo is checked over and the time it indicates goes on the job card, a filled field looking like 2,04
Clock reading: 7,02
